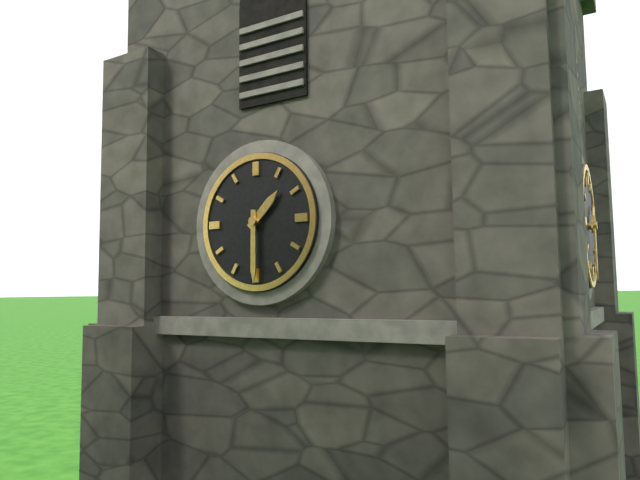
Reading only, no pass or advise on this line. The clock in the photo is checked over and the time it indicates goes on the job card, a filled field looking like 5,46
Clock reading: 1,30
